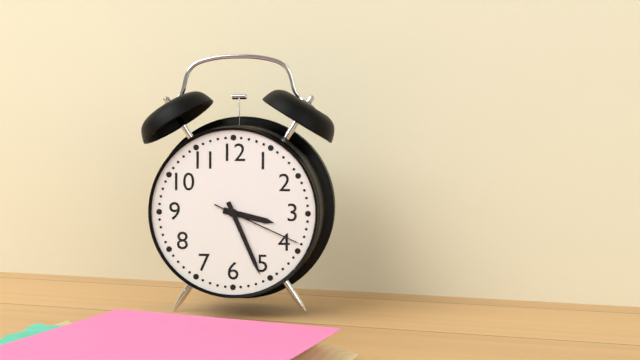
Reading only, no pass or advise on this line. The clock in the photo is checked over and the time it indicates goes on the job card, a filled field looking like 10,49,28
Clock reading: 3,26,19
